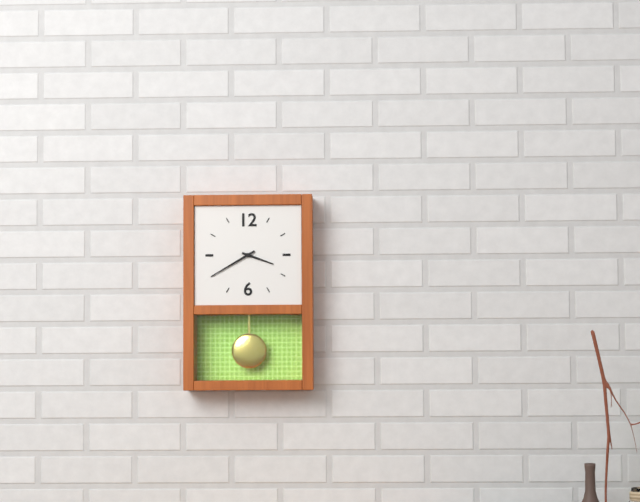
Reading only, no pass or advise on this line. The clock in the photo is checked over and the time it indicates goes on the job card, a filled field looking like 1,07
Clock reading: 3,40
